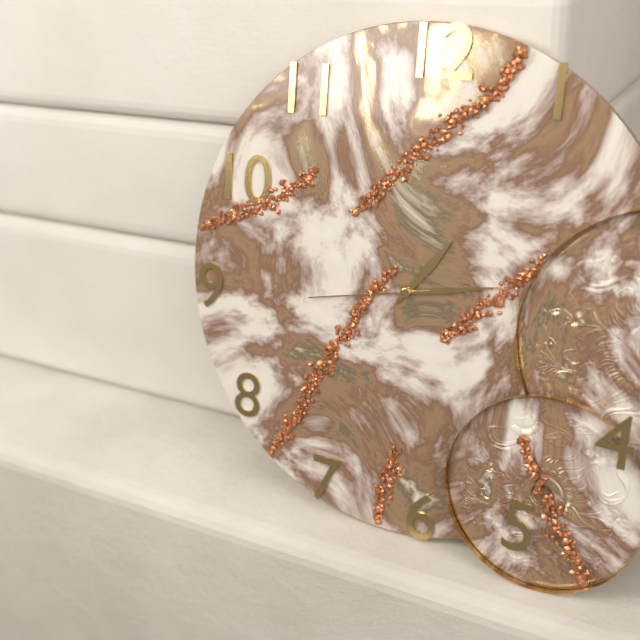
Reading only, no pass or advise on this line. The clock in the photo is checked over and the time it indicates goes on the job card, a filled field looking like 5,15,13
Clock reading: 1,13,43
